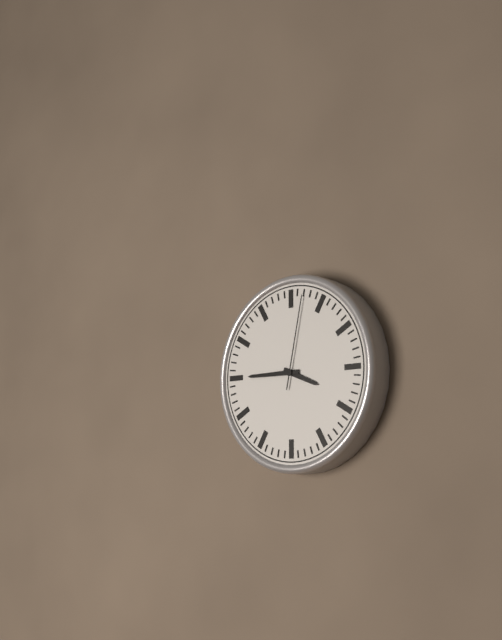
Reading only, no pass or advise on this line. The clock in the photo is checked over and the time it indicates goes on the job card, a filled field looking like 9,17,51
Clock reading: 3,45,02
